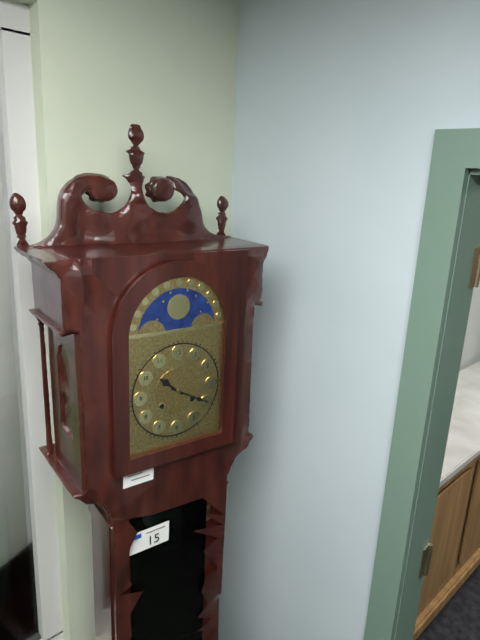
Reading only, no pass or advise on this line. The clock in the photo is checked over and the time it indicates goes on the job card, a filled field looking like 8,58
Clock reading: 10,20
